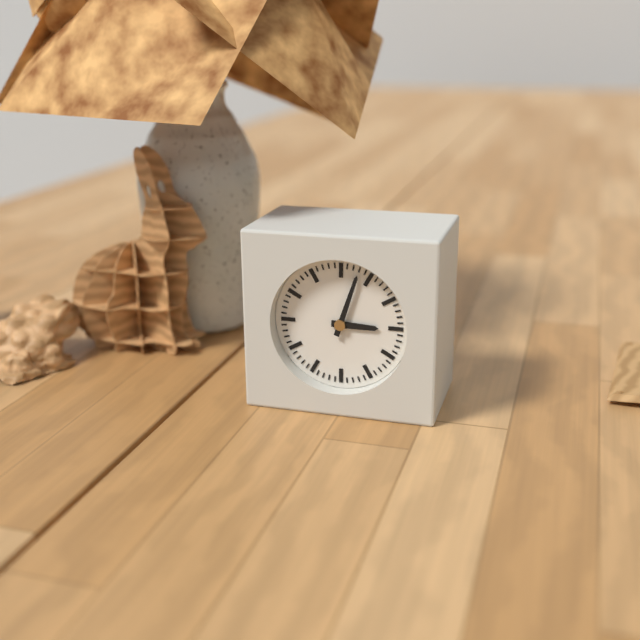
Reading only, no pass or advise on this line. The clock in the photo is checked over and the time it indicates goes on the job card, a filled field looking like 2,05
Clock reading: 3,03
